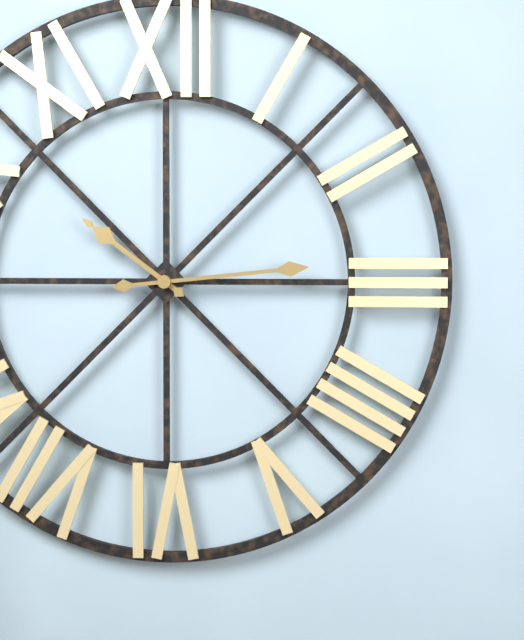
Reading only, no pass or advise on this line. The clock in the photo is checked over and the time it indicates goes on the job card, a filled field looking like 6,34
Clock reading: 10,14
